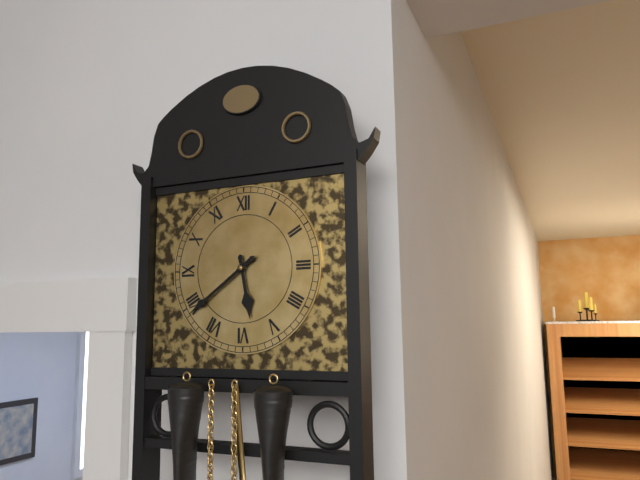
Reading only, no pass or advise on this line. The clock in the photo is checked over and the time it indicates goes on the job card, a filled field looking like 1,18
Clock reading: 5,39
